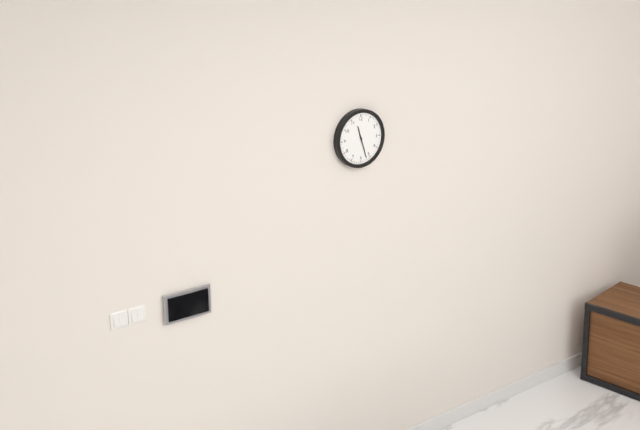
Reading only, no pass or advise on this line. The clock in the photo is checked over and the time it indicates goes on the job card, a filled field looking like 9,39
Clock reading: 11,27
